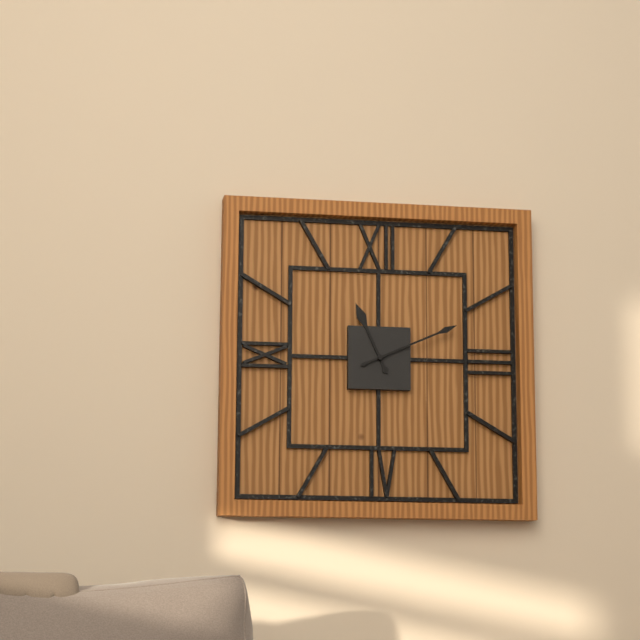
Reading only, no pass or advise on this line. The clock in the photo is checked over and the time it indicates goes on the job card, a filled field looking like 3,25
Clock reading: 11,11
